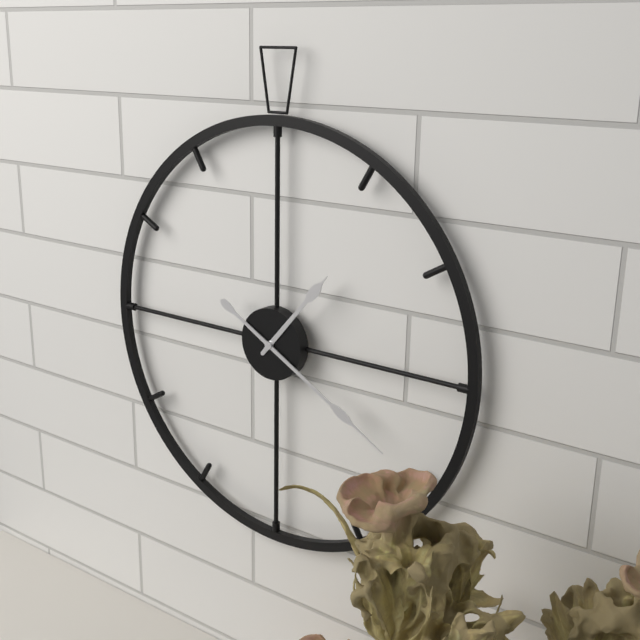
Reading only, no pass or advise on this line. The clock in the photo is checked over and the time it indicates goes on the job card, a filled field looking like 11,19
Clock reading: 1,20
